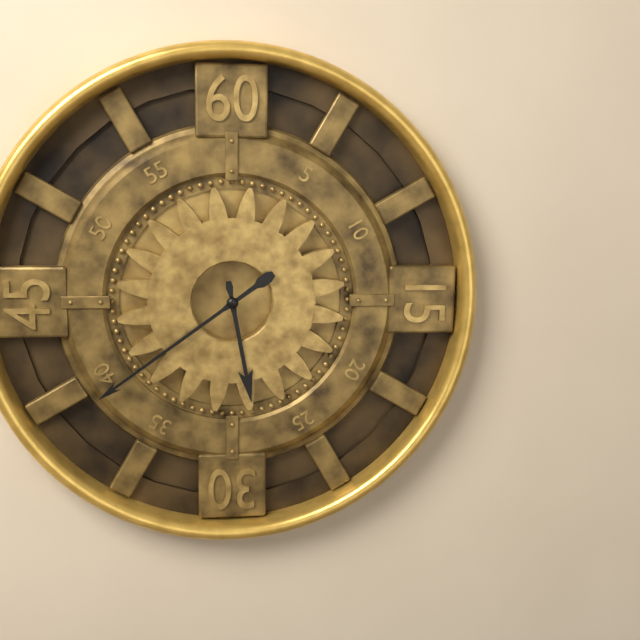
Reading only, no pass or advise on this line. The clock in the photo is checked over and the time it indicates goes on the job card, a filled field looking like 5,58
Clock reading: 5,39
